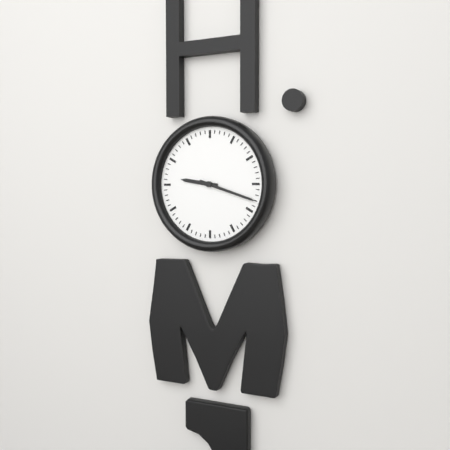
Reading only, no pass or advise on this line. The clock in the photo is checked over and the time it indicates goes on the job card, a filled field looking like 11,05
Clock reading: 9,18
